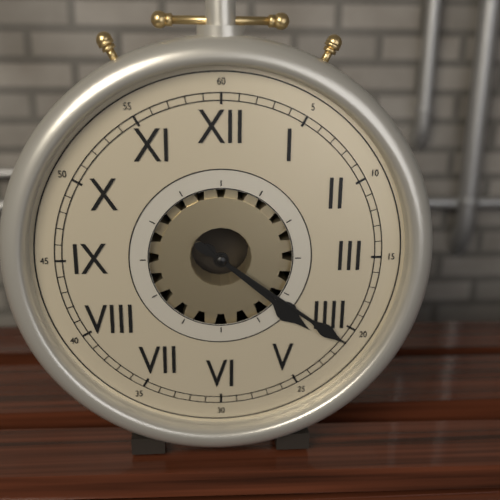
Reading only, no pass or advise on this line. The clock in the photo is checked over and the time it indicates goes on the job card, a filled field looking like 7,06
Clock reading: 4,21
